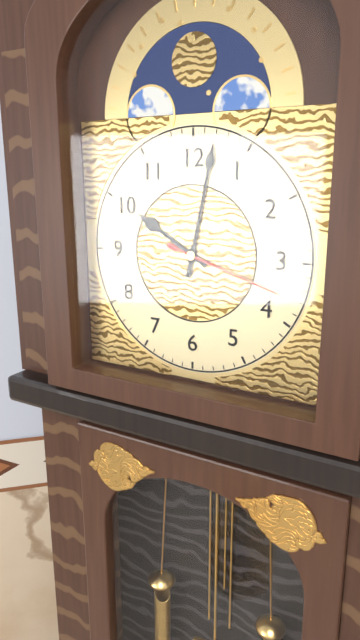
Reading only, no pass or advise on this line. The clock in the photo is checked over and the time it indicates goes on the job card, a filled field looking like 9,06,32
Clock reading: 10,02,18
